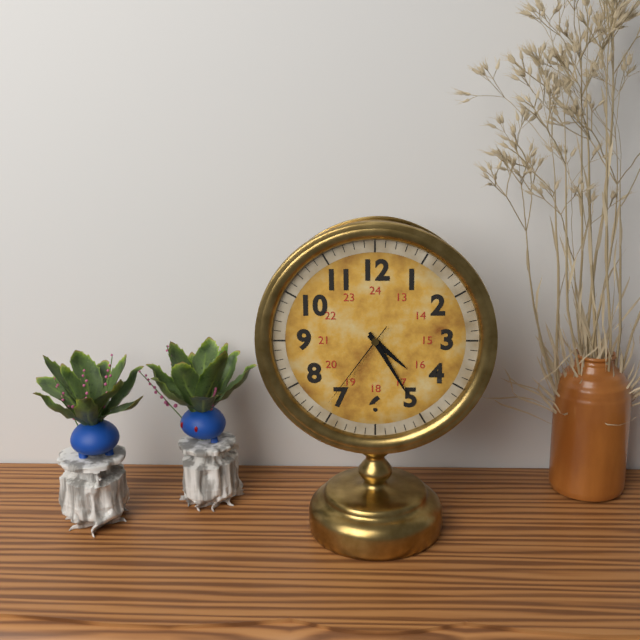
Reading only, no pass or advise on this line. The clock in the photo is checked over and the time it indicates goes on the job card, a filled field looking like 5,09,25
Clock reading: 4,25,36
